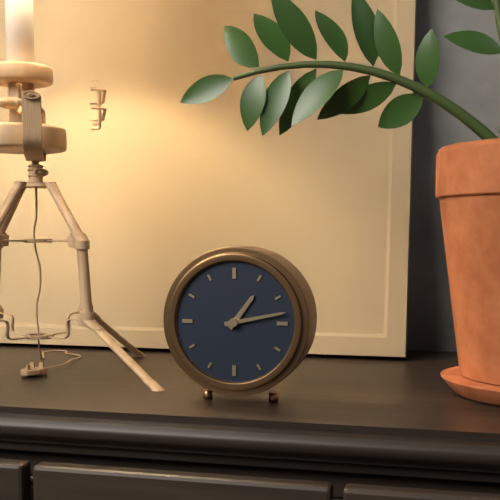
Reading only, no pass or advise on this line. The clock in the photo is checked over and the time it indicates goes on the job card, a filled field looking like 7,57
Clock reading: 1,13
